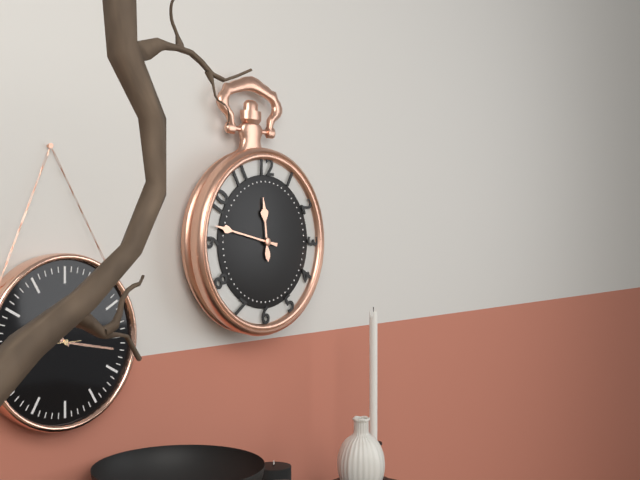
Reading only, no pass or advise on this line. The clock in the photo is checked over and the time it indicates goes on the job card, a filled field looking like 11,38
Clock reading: 11,47
